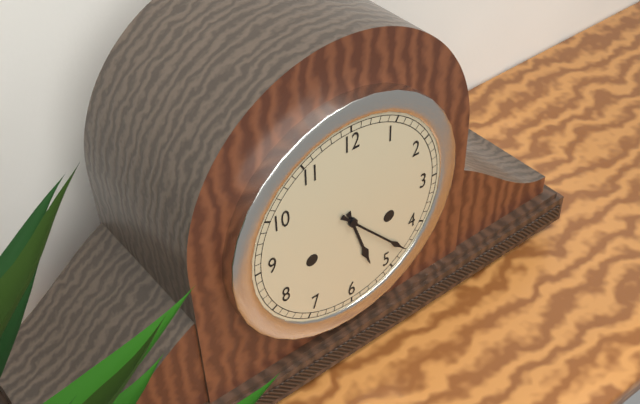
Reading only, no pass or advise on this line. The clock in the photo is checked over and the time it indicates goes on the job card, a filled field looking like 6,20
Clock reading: 5,23
